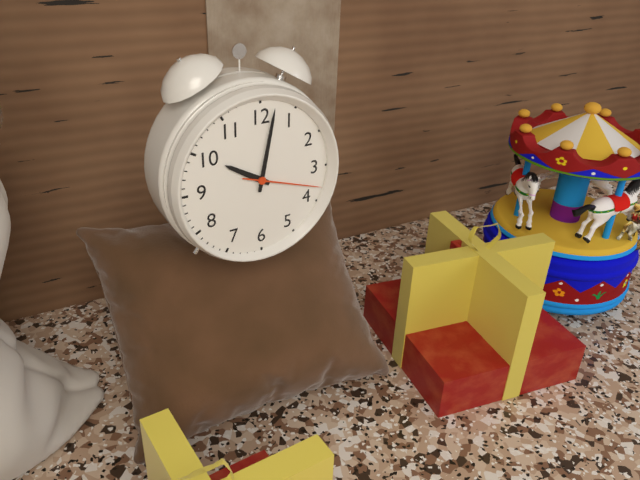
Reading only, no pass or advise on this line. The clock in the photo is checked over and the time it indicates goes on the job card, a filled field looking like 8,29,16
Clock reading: 10,02,18
